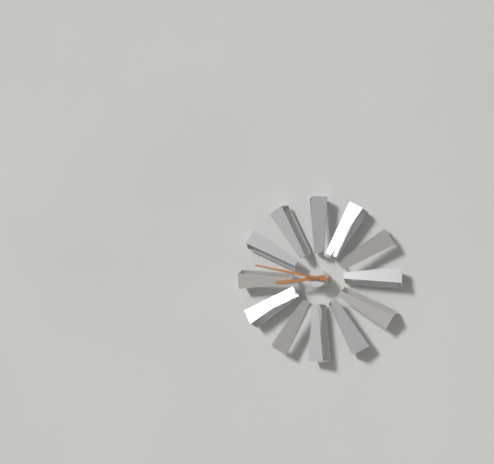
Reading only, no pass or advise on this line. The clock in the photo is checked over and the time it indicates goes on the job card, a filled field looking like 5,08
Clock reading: 8,47
